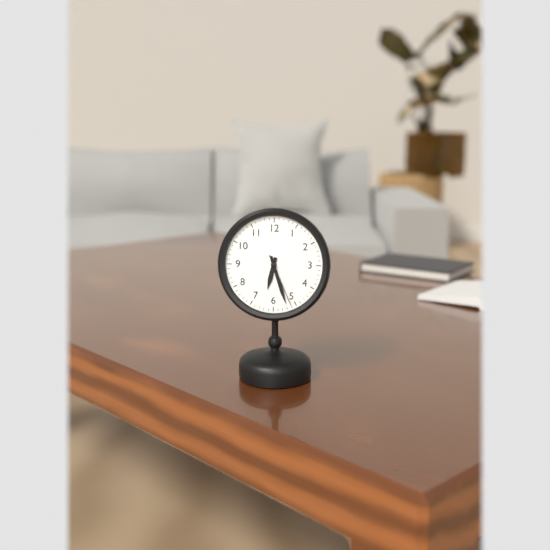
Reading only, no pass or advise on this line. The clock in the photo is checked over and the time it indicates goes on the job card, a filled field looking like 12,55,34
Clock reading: 6,27,26
